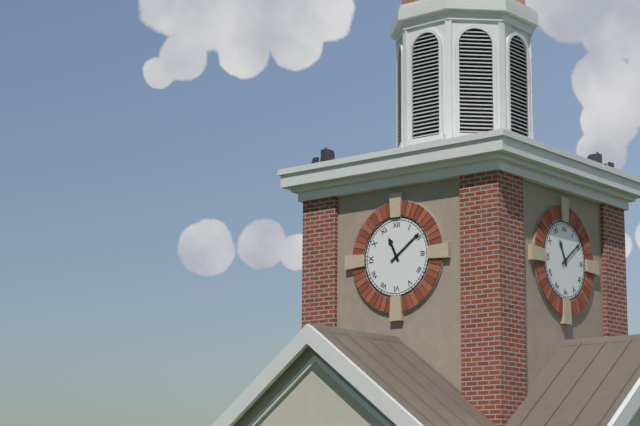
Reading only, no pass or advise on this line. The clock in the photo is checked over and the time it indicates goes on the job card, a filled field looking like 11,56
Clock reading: 11,09
